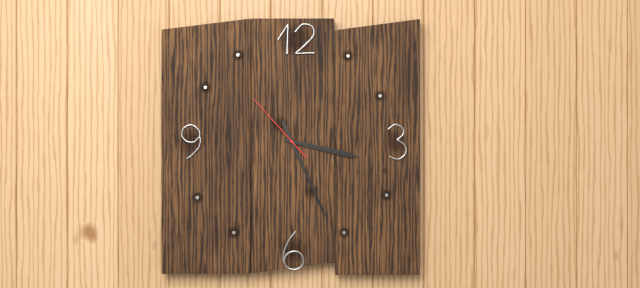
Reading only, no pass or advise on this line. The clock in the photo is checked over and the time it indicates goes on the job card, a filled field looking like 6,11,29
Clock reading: 3,26,53
